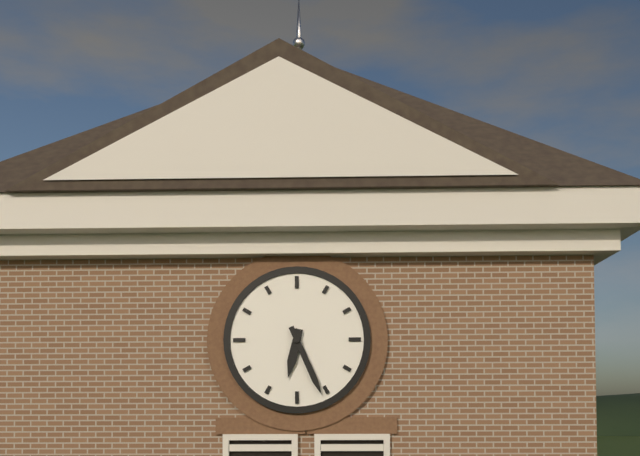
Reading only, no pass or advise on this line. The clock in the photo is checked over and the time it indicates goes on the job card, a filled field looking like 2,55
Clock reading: 6,26
